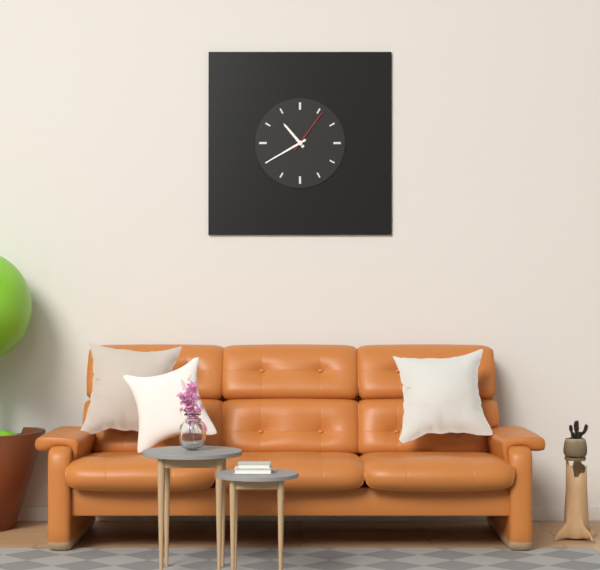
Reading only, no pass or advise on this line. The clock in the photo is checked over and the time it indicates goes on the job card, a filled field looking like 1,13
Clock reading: 10,40
